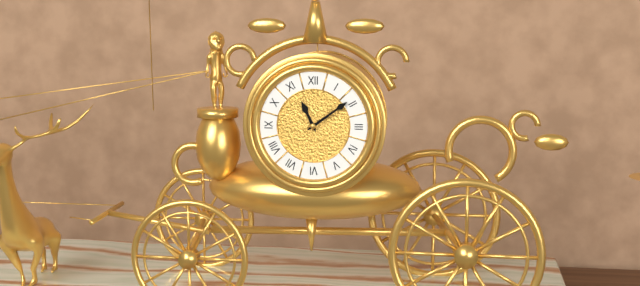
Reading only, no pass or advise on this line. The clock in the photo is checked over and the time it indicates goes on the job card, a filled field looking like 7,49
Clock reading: 11,09
